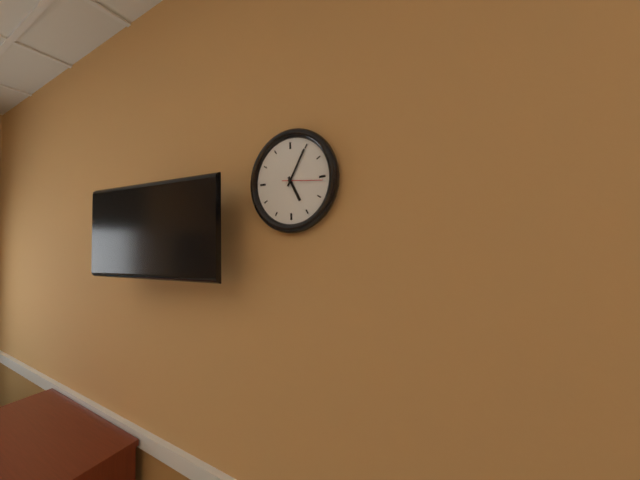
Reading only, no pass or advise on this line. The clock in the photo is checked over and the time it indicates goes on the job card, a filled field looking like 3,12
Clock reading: 5,05
